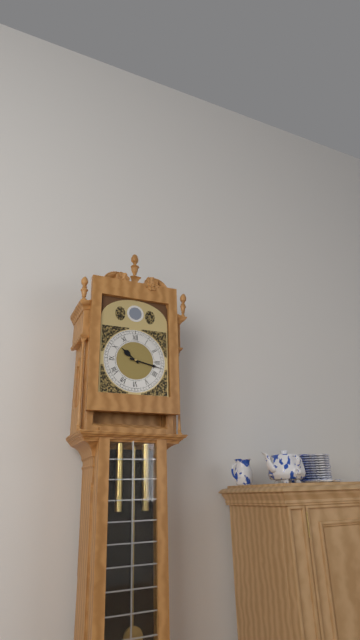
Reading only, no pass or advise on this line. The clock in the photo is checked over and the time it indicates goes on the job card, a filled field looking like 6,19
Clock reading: 10,17
